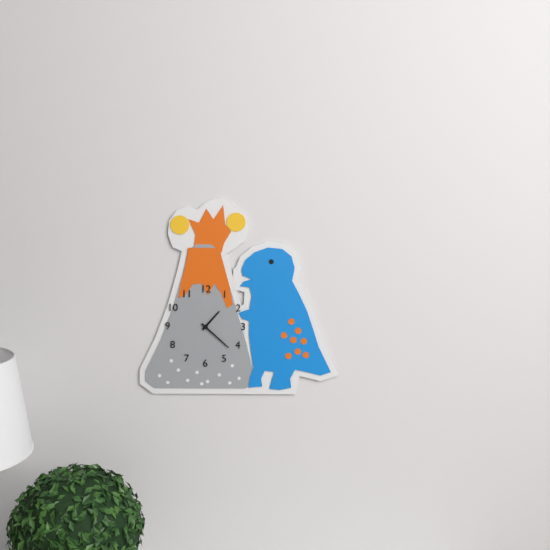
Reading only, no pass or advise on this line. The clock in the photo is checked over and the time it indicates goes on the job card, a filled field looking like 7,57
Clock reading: 1,22
